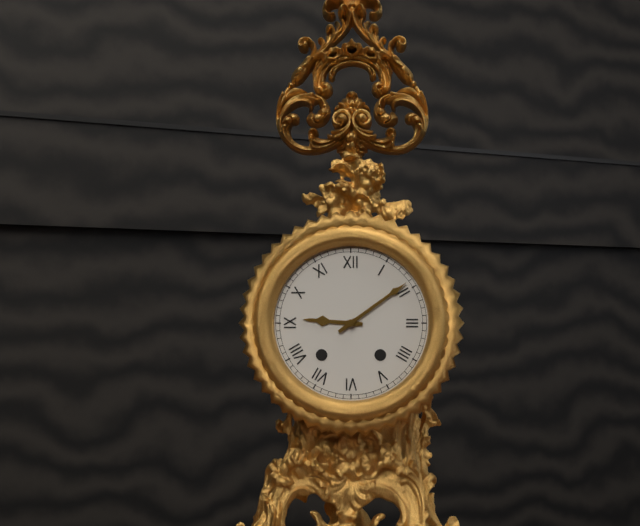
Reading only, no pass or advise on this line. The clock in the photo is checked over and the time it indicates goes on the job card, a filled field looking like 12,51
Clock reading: 9,09
